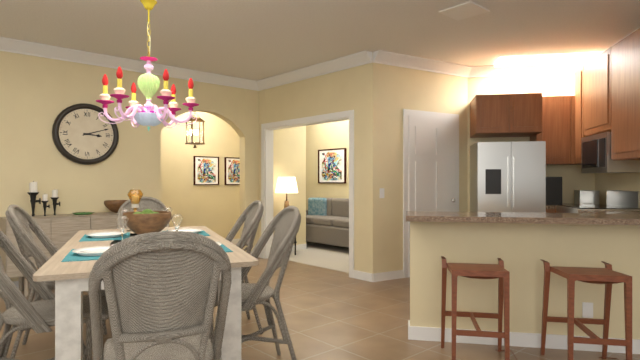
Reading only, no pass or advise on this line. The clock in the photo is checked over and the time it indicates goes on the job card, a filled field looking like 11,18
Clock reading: 3,12
